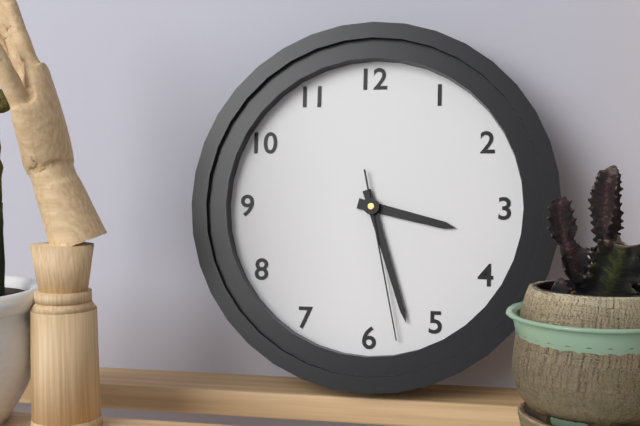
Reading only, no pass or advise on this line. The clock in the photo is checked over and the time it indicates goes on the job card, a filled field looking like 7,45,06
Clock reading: 3,27,28
